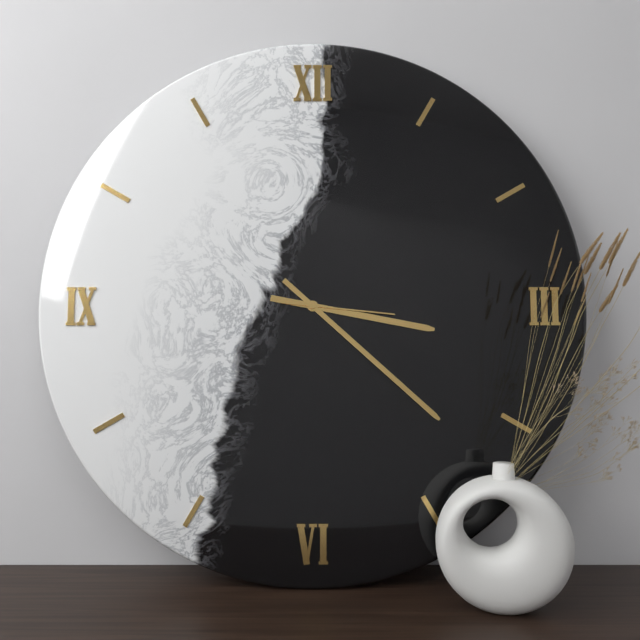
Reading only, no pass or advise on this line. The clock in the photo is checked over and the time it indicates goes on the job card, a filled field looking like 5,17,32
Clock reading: 3,22,16
